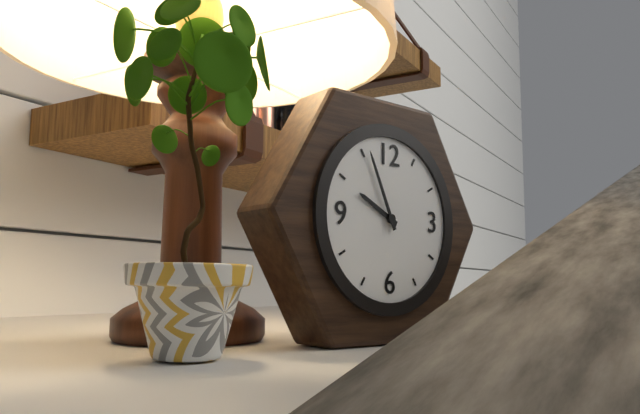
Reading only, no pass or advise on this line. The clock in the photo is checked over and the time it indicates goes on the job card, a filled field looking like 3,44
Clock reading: 9,56
